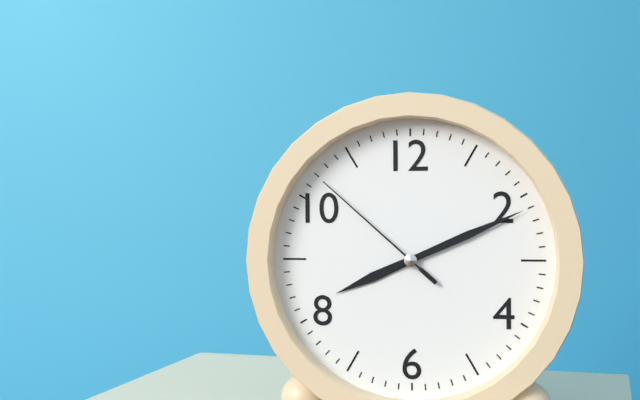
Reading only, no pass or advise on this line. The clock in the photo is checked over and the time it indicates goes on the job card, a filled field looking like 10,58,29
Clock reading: 8,11,52
